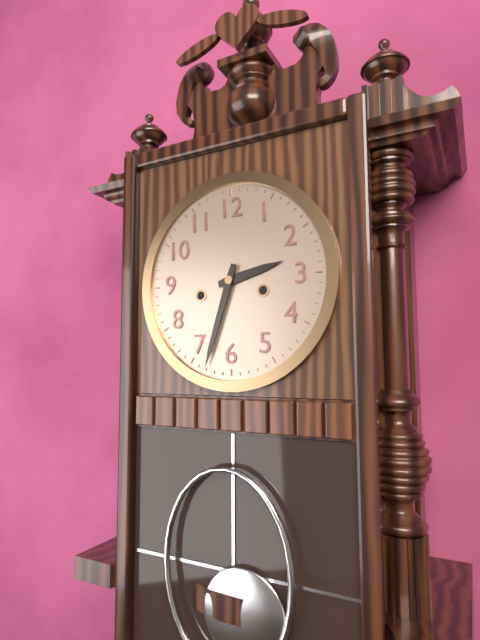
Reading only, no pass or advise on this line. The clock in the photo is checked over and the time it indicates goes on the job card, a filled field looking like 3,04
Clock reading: 2,33
